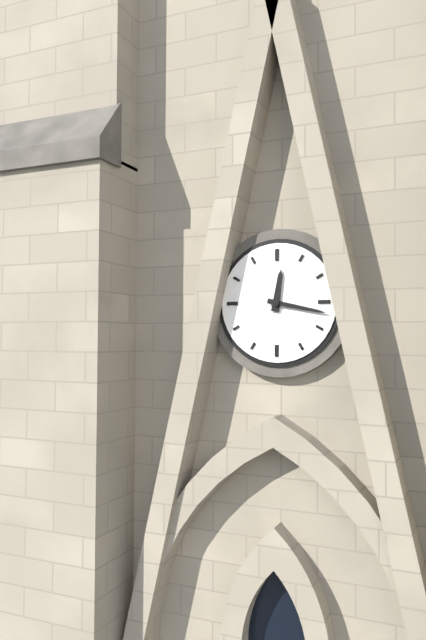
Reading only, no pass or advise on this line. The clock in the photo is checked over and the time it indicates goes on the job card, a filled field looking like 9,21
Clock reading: 12,17
